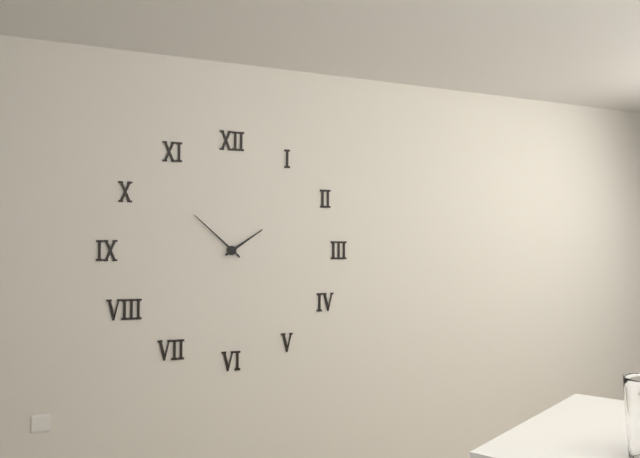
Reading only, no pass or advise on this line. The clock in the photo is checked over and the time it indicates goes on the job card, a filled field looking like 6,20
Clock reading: 1,52
